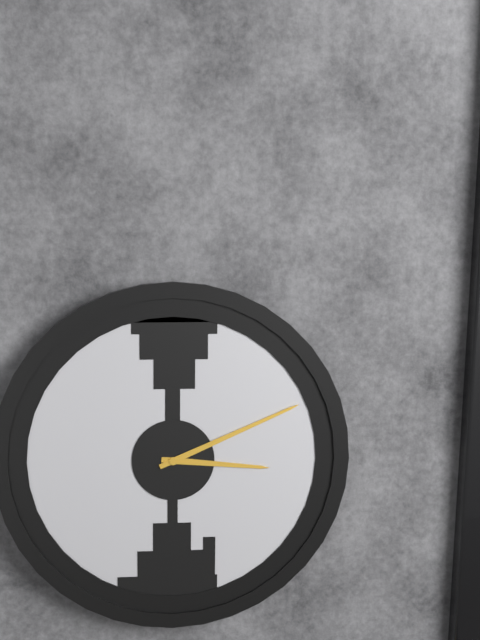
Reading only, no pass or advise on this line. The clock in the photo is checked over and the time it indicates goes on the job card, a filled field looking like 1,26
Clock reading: 3,11
